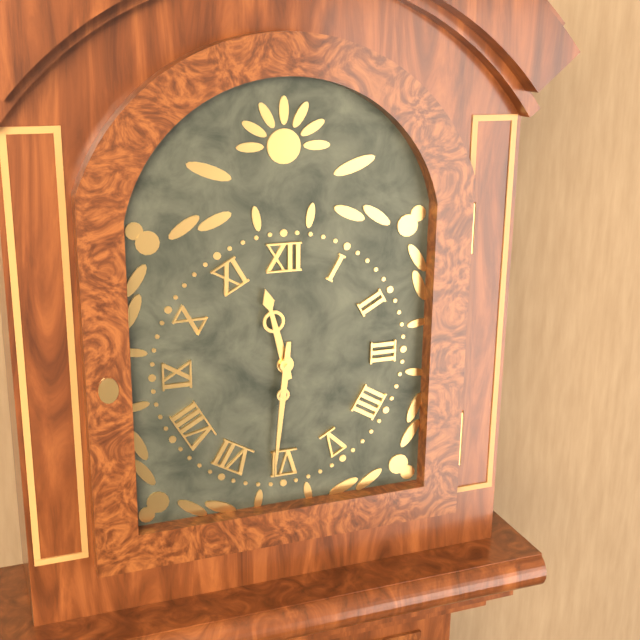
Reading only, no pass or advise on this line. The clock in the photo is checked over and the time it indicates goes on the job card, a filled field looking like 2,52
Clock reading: 11,31
